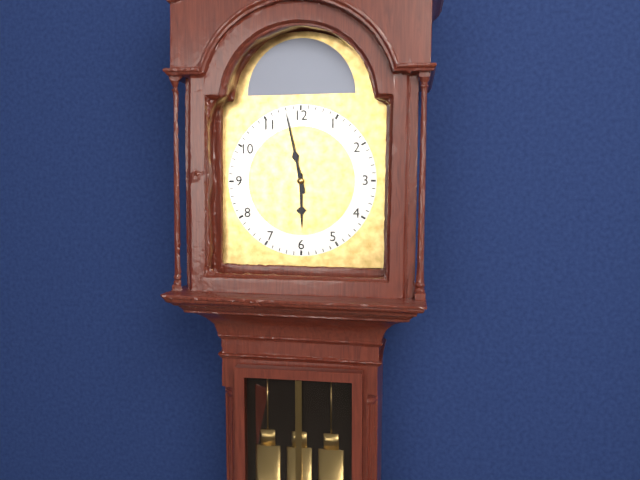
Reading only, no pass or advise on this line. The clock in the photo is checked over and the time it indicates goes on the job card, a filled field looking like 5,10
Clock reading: 5,58
